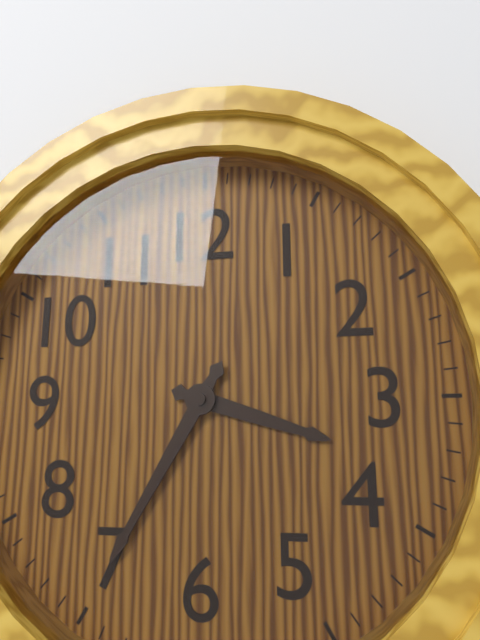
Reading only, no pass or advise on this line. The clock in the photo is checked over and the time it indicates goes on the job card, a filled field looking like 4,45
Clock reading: 3,35
